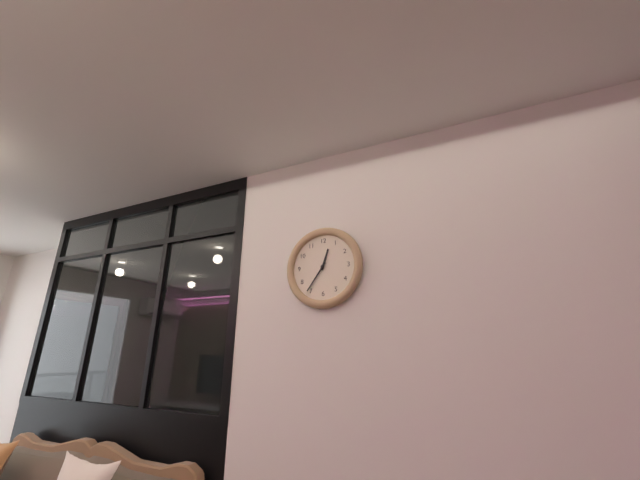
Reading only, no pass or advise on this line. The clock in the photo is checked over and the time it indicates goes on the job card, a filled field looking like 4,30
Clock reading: 12,36
